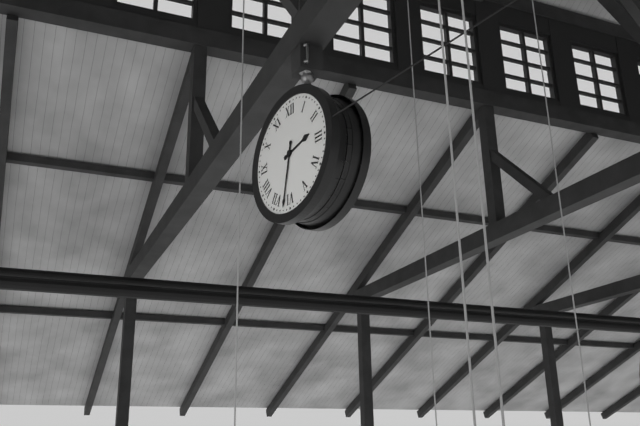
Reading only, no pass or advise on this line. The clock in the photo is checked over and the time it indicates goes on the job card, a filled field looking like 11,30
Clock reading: 2,32
